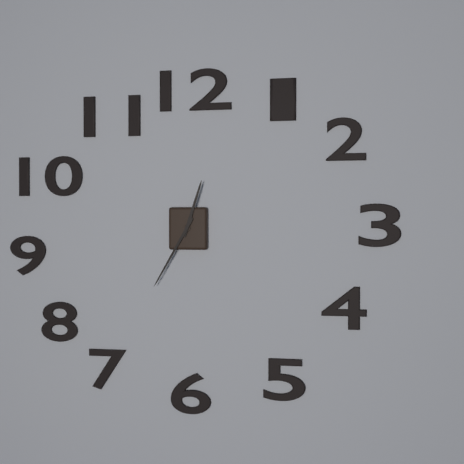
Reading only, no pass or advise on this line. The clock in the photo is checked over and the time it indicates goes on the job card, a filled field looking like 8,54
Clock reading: 12,35
